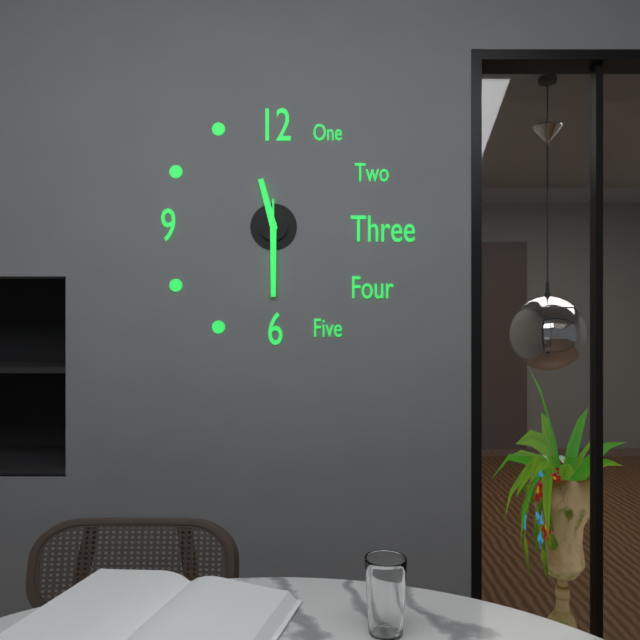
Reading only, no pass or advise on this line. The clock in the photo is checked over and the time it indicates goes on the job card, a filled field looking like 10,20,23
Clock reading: 11,30,30
